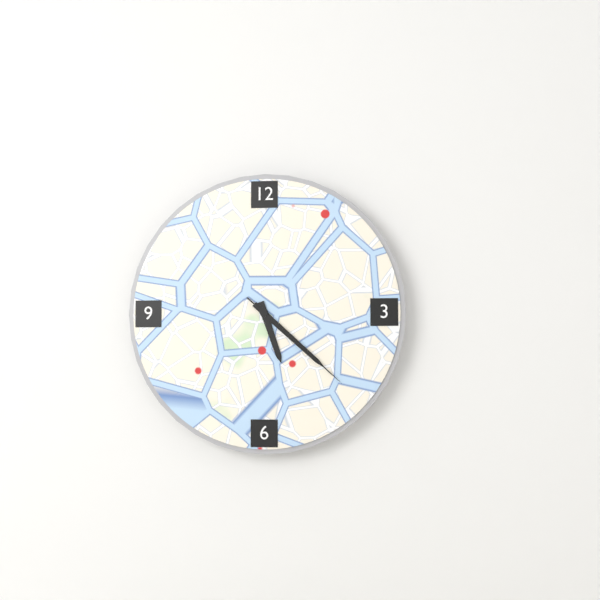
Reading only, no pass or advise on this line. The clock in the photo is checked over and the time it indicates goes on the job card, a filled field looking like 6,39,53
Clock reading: 5,22,22
